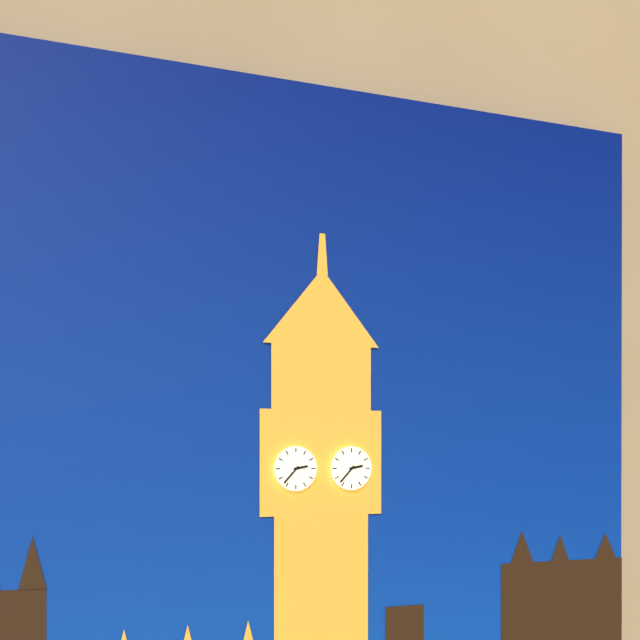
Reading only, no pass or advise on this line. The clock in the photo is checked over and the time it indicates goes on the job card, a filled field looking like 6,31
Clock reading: 2,37
